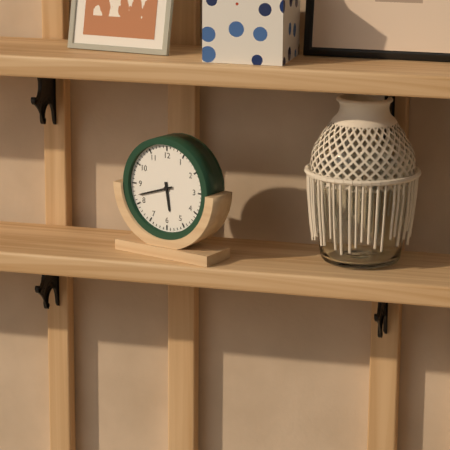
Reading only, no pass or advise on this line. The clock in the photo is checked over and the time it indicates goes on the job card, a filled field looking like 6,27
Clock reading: 5,42
